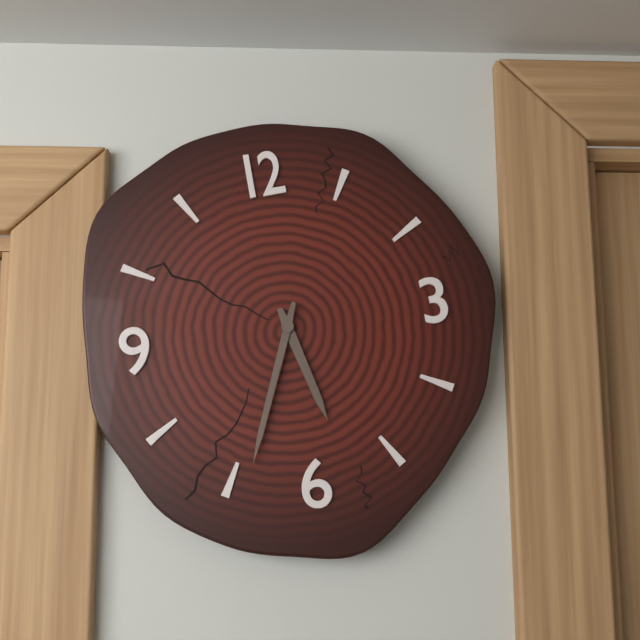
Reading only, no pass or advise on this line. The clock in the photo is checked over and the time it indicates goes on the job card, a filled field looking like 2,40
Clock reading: 5,34
